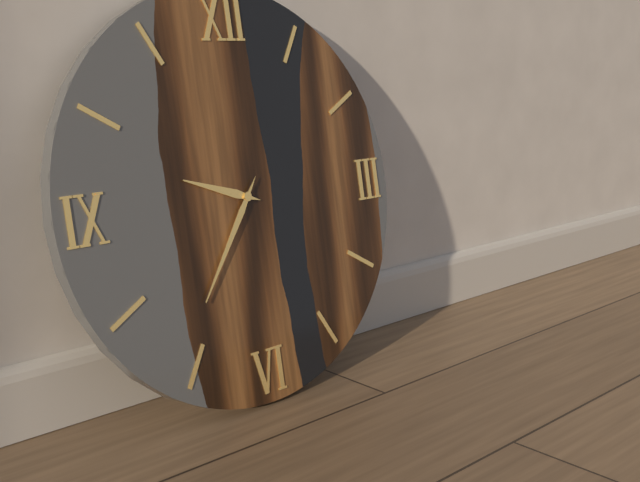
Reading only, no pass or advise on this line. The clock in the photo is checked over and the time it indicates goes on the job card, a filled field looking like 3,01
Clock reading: 9,36
